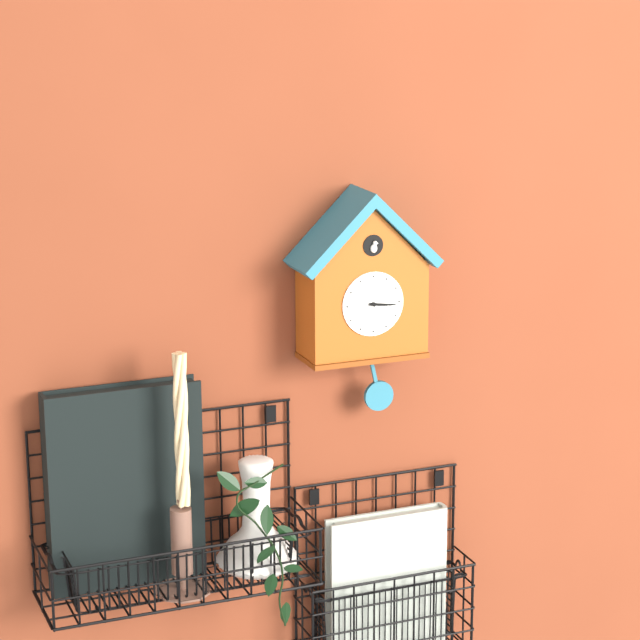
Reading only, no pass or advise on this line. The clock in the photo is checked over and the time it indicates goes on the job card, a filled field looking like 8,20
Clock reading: 3,16
